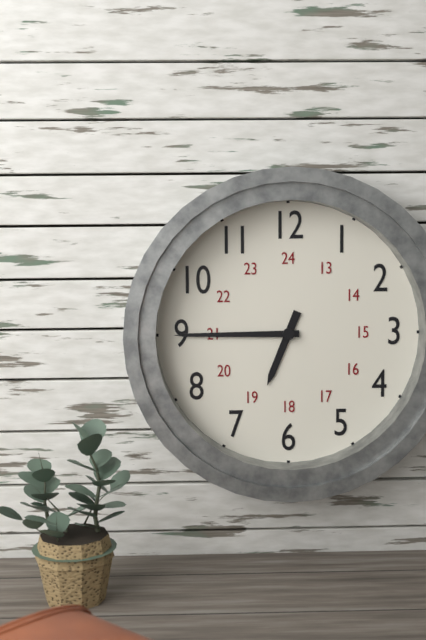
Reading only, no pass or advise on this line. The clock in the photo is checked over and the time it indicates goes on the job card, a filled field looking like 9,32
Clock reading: 6,45
